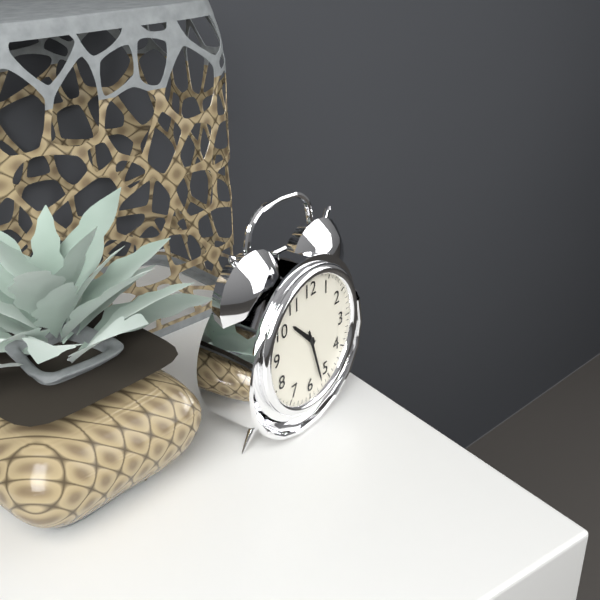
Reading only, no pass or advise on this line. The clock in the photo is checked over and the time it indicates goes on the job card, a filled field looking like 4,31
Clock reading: 10,27
